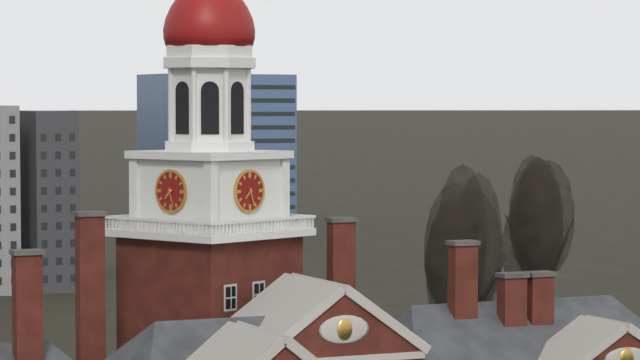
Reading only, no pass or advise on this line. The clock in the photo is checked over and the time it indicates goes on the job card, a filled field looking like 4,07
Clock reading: 7,27
